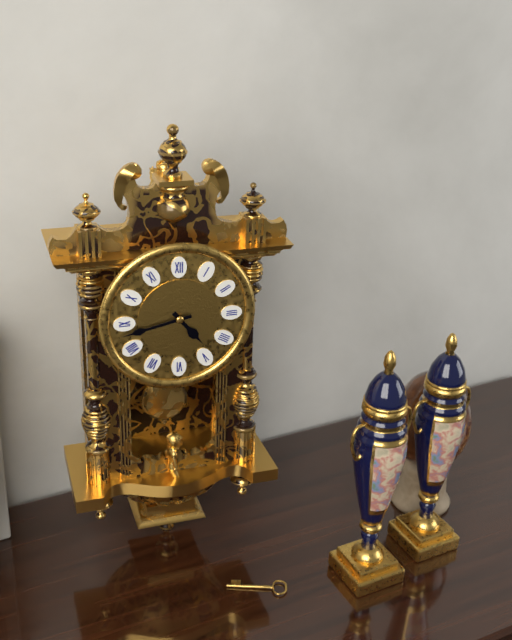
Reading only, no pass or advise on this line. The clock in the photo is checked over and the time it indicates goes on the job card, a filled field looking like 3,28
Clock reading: 4,43
